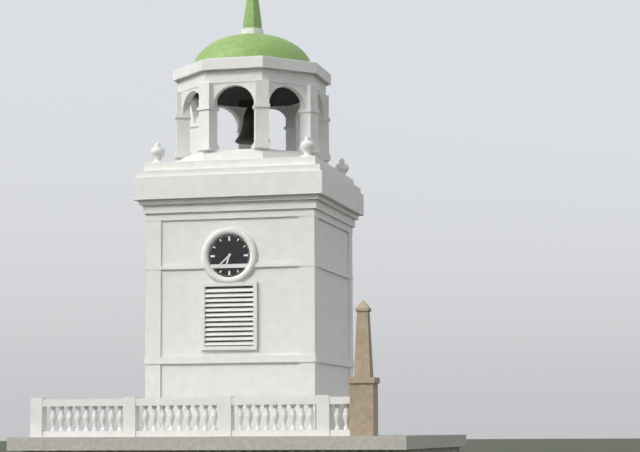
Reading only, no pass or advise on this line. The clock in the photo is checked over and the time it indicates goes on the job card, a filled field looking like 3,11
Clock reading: 6,38
